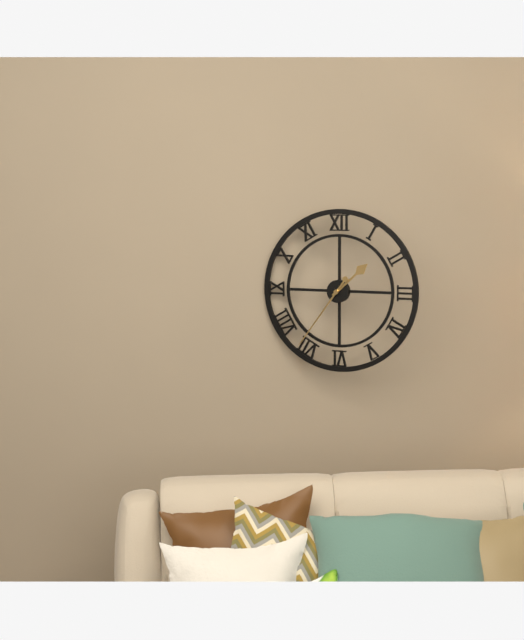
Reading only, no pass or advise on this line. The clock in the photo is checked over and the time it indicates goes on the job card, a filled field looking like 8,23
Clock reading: 1,36
